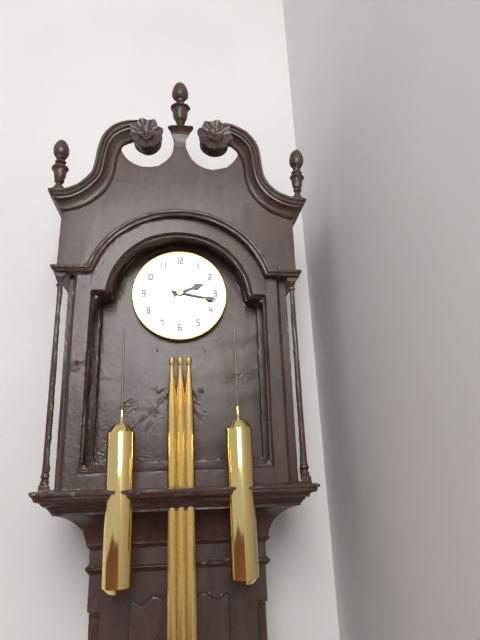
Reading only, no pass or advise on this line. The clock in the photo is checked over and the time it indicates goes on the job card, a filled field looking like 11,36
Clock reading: 2,17
